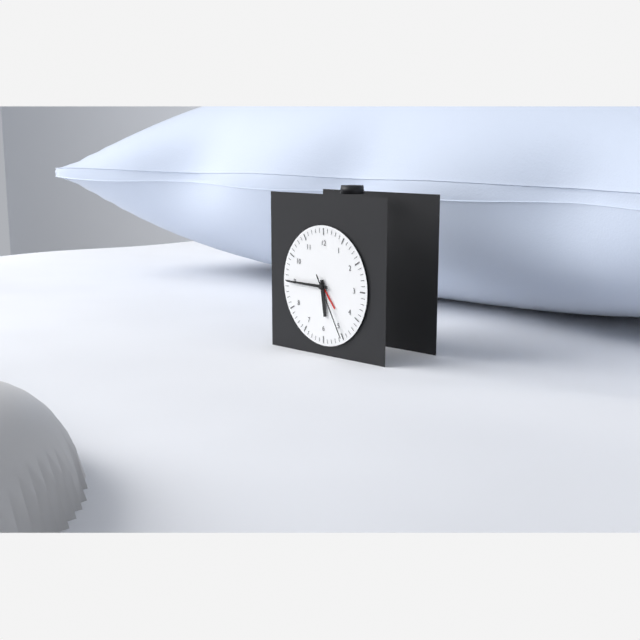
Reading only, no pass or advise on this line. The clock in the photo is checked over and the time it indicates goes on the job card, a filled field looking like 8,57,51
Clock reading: 5,45,25
